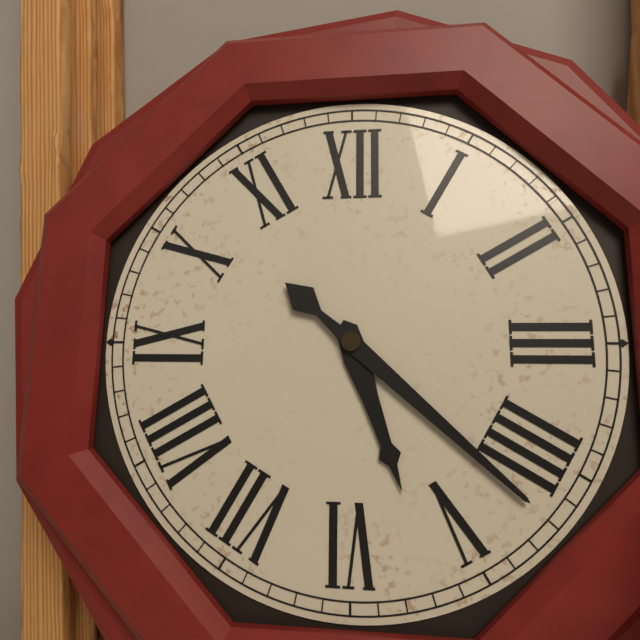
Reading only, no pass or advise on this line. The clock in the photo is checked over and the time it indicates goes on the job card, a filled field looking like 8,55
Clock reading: 5,22
